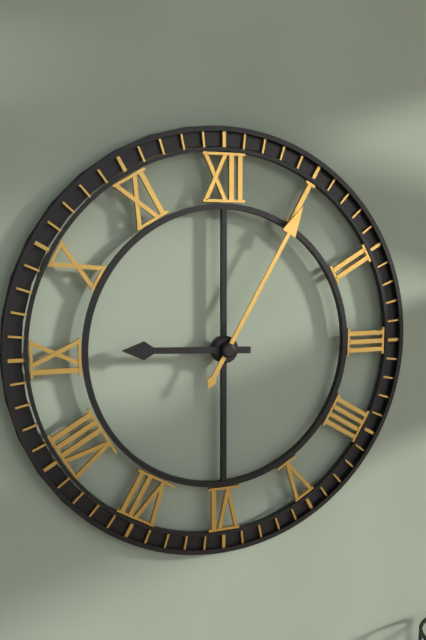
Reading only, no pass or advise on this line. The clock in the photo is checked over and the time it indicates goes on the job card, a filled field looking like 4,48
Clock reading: 9,05
